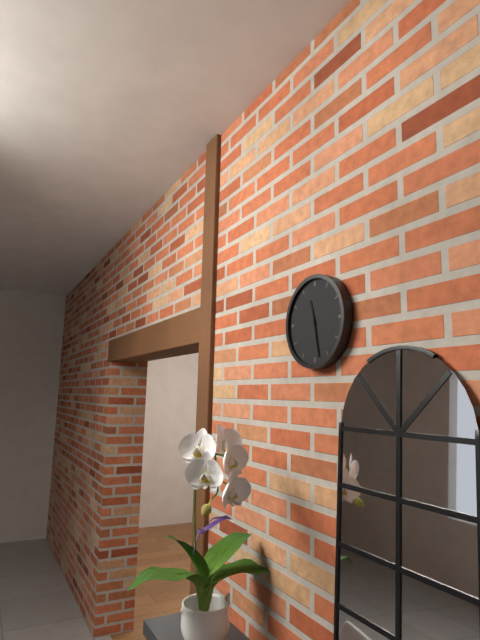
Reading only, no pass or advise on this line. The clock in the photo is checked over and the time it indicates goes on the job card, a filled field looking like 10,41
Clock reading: 11,28
